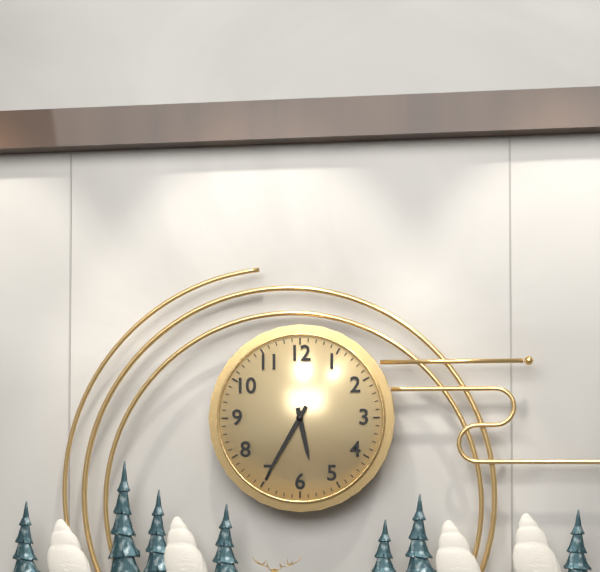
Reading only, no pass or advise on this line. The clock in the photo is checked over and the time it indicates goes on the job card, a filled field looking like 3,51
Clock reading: 5,35
